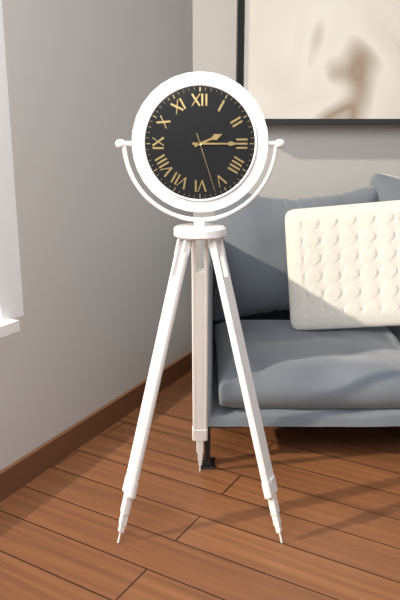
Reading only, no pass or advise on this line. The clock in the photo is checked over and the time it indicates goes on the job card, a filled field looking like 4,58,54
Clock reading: 2,15,27
